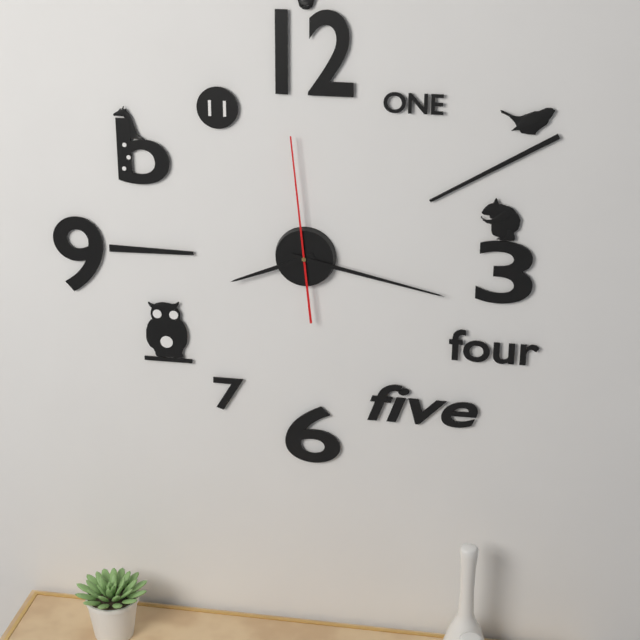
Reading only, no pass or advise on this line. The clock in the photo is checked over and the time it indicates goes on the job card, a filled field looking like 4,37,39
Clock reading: 8,17,59
